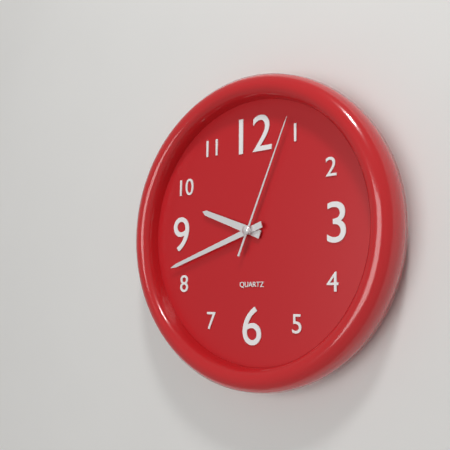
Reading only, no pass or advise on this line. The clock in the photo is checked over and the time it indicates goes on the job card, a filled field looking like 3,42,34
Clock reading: 9,42,04
